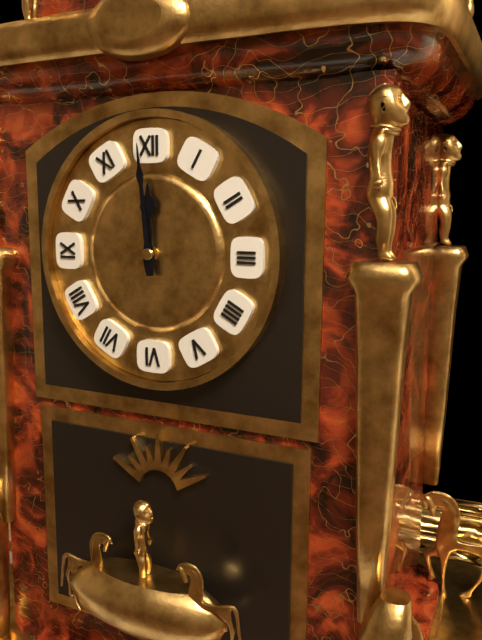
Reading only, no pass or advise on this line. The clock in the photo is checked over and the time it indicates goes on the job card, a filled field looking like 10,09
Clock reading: 11,59
